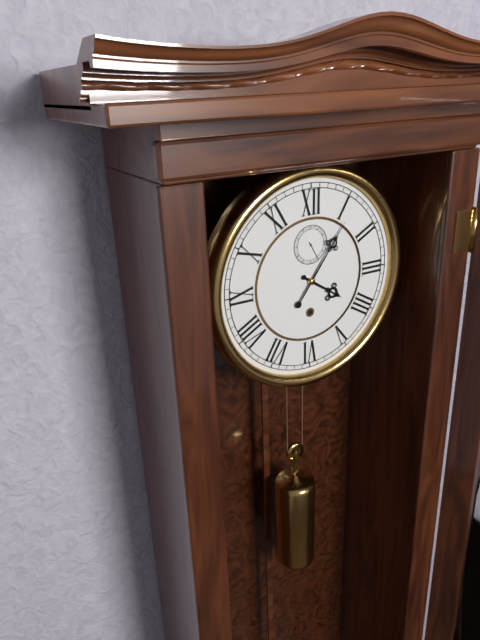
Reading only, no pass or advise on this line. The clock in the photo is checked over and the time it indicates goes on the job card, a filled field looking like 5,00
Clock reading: 4,06
